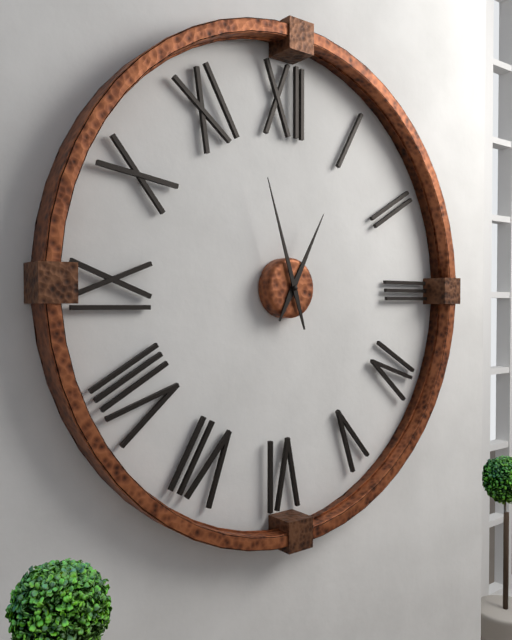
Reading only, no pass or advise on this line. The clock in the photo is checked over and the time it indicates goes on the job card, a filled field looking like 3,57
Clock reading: 12,57
